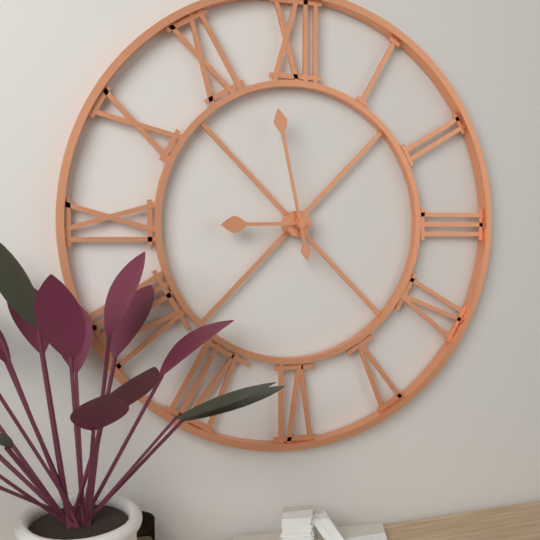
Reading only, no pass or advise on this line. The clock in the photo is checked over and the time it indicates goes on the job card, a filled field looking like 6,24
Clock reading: 8,58
